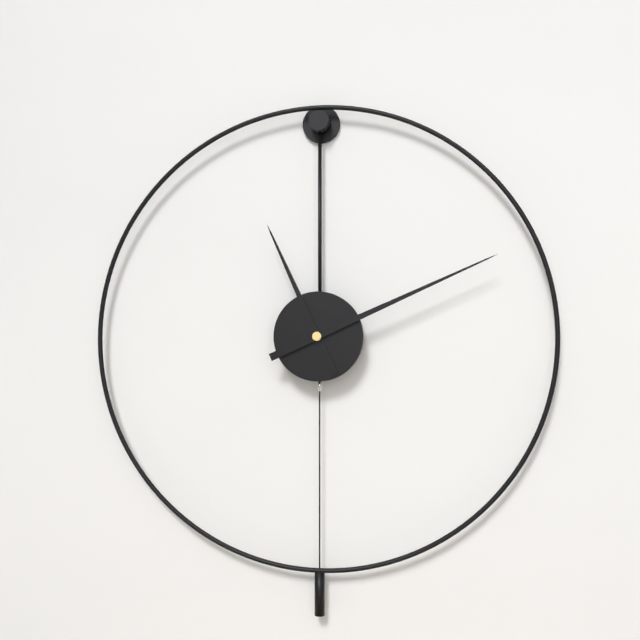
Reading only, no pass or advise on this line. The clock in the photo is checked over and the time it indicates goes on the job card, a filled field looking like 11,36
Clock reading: 11,11
